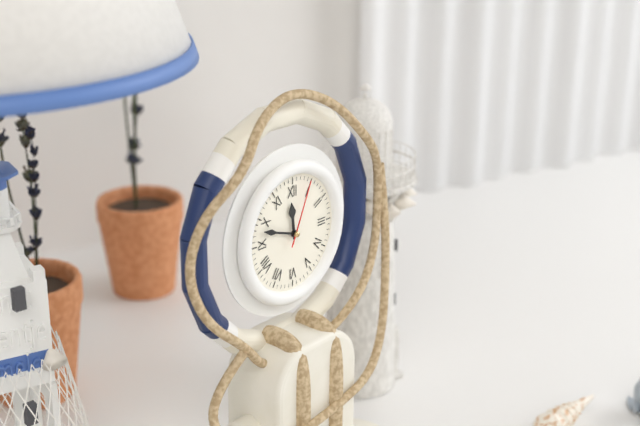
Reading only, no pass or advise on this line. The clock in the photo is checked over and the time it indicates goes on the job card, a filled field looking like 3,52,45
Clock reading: 11,48,04
